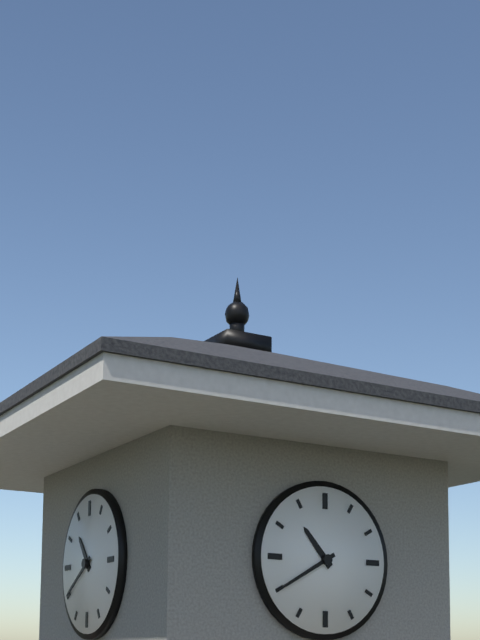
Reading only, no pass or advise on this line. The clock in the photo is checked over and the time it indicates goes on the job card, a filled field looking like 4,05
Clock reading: 10,40
